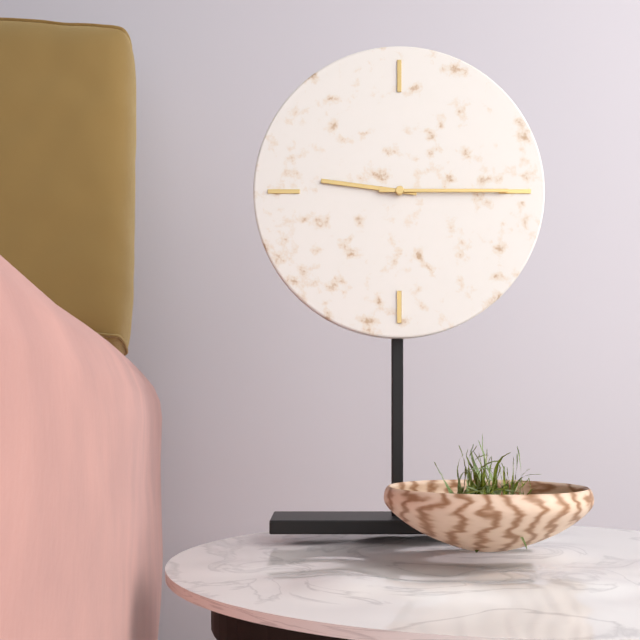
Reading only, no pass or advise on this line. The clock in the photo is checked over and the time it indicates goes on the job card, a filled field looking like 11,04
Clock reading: 9,15
